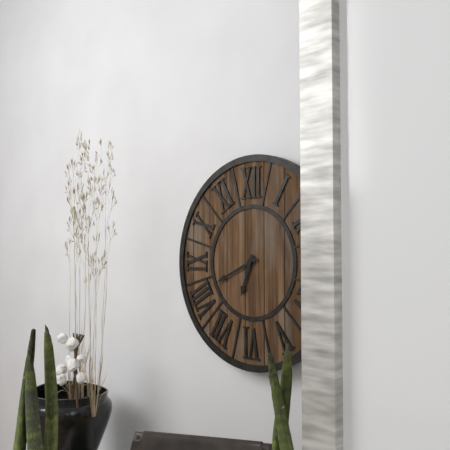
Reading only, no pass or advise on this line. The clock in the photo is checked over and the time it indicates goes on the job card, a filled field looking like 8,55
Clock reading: 6,41
